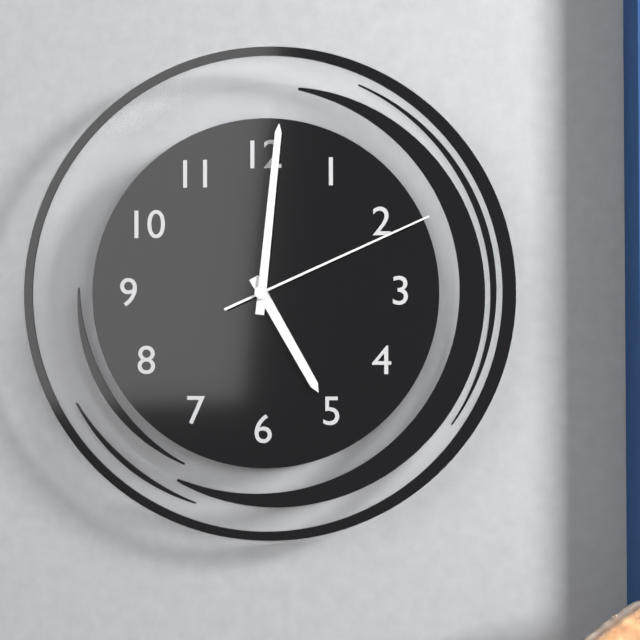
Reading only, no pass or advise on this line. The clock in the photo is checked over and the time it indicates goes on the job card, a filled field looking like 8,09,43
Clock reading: 5,01,11
